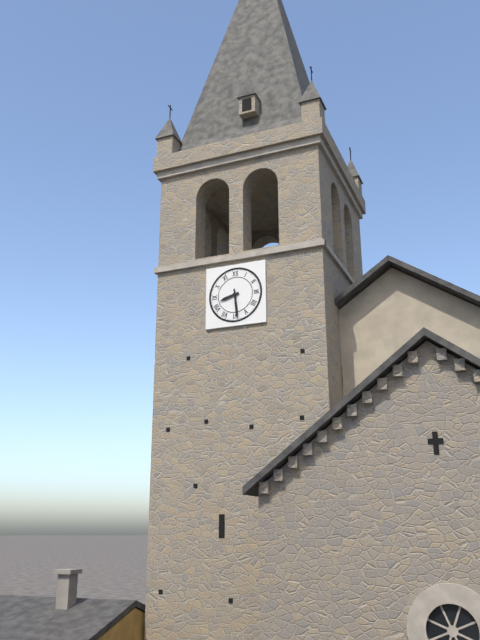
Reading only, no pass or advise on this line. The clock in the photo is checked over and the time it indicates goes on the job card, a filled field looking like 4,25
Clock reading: 8,29
